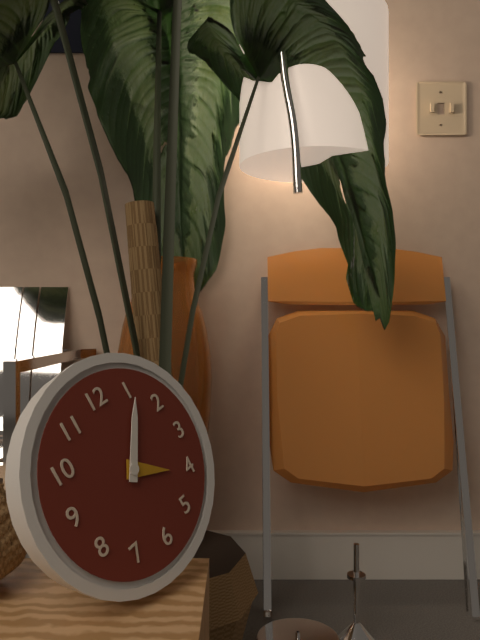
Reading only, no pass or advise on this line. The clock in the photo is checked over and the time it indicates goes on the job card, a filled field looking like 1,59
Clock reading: 4,06
